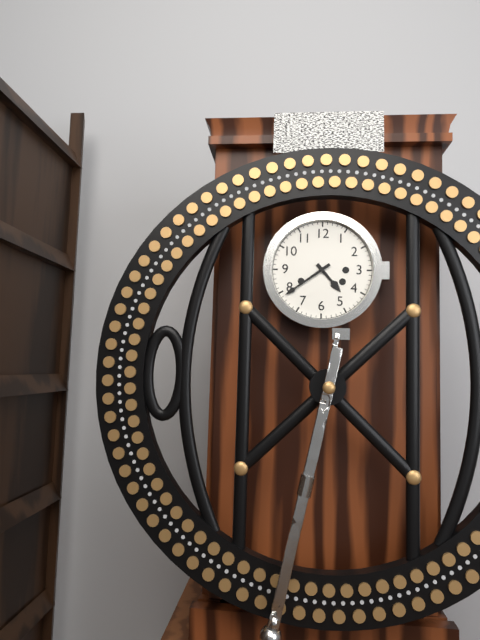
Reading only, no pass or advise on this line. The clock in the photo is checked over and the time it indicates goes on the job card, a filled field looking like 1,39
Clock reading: 4,39
